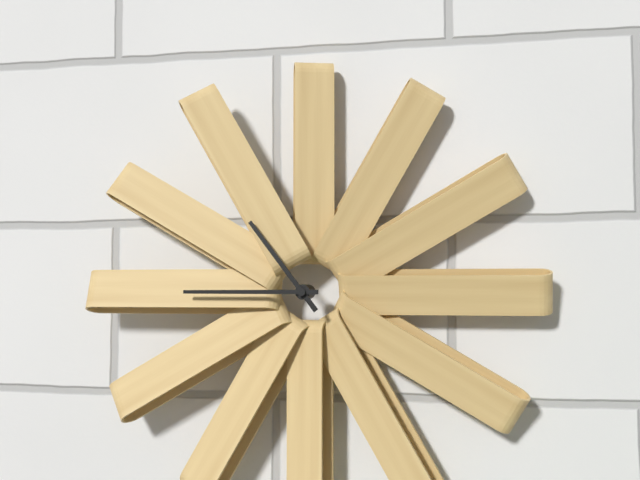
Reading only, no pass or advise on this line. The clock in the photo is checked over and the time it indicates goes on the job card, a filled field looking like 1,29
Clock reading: 10,45
